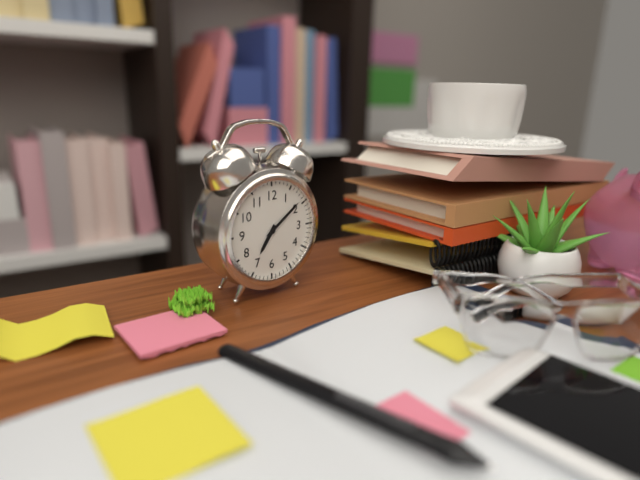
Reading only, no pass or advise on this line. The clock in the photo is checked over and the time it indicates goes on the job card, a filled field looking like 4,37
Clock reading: 7,09
